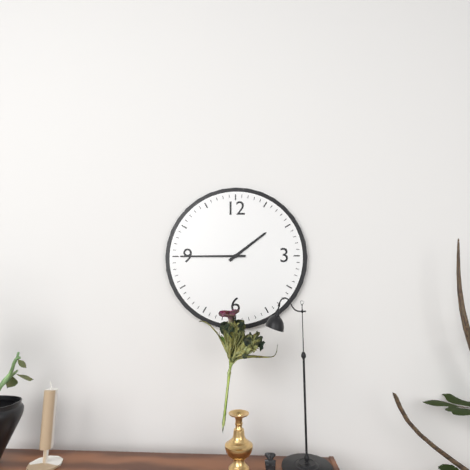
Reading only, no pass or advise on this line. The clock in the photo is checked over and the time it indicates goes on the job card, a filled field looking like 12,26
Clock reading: 1,45
